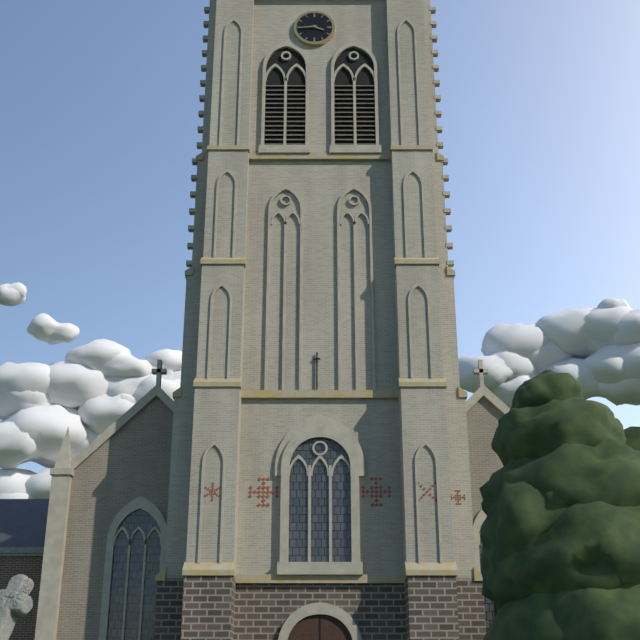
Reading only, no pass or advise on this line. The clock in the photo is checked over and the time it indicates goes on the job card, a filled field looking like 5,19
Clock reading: 3,44
